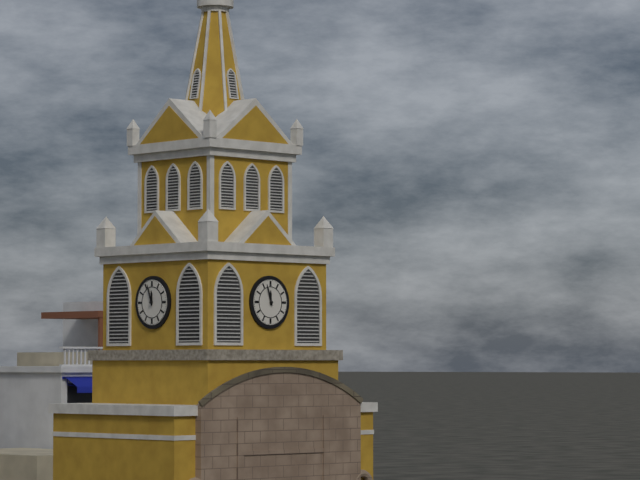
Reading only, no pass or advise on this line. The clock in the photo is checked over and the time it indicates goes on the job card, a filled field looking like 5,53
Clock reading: 11,57
